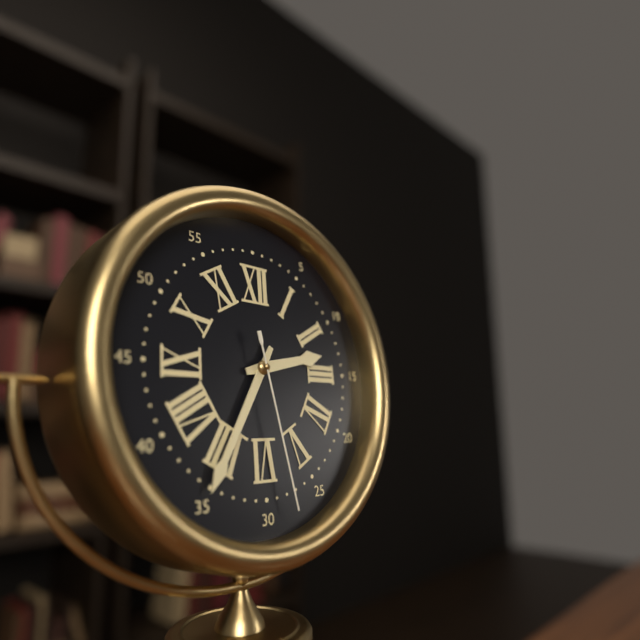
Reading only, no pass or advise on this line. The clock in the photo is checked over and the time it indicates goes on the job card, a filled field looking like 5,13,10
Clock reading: 2,35,28
